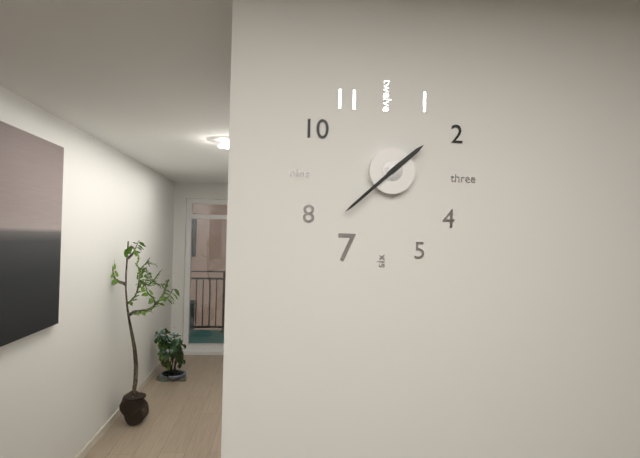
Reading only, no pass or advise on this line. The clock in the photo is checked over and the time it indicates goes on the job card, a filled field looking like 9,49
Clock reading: 1,38
